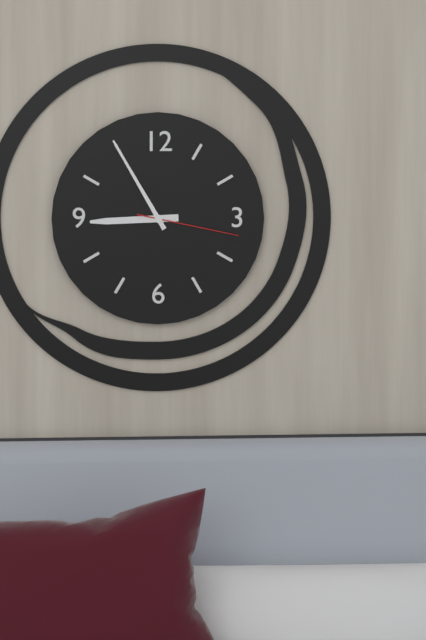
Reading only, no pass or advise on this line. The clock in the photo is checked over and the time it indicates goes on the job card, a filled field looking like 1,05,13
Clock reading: 8,55,17
